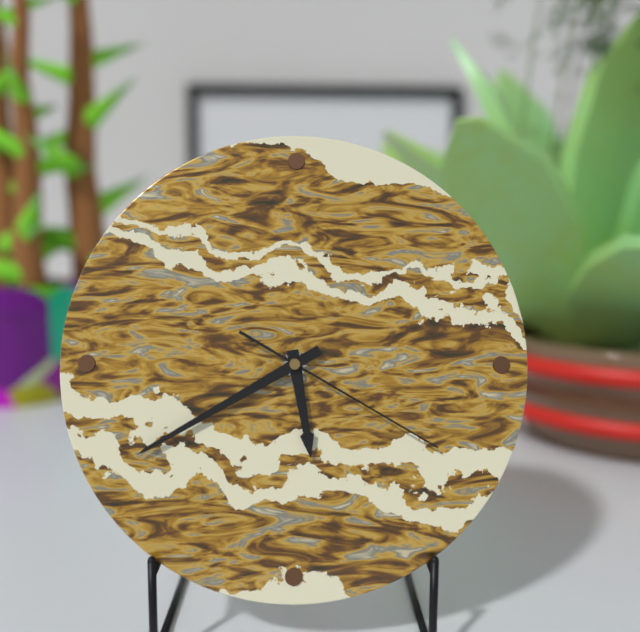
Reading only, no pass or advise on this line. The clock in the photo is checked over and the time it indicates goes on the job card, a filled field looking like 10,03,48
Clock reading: 5,40,20
